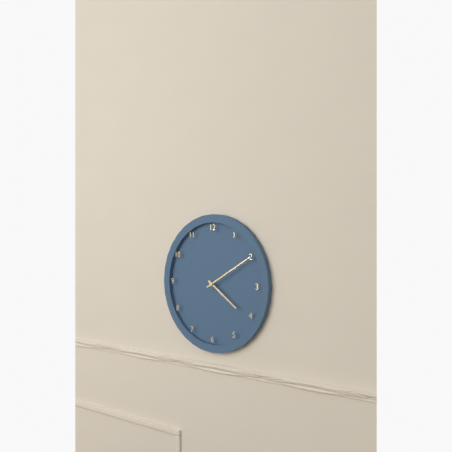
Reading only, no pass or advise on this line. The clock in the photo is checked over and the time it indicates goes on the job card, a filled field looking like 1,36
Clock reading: 4,10
